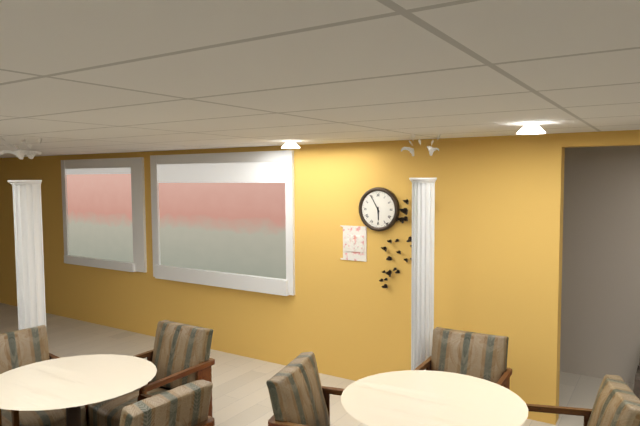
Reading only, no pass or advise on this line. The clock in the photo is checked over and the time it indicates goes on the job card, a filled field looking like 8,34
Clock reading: 5,55
